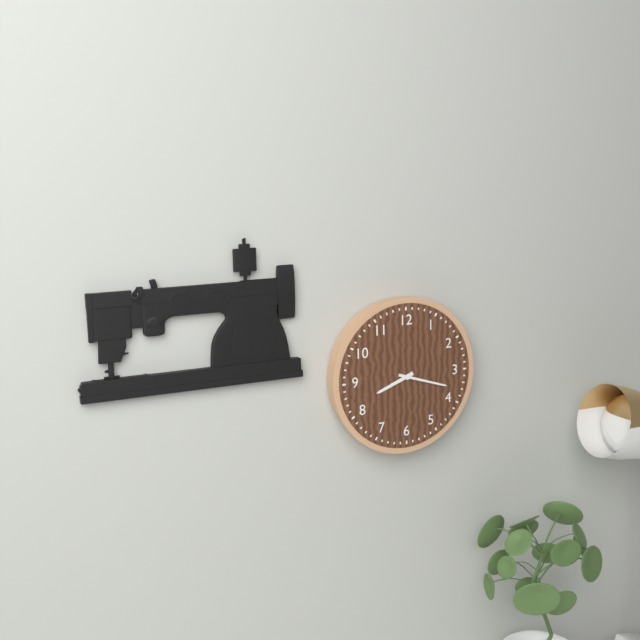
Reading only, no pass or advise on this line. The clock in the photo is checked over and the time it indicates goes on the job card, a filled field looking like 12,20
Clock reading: 8,18
